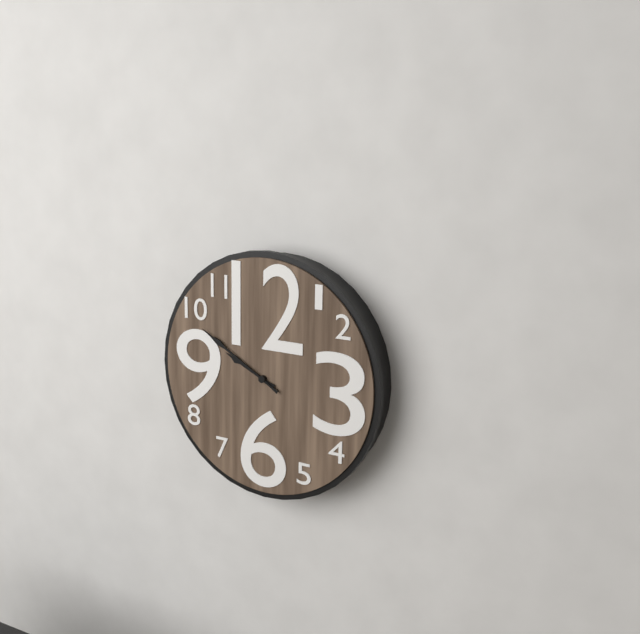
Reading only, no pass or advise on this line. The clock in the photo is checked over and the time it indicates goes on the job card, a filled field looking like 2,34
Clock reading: 9,50
